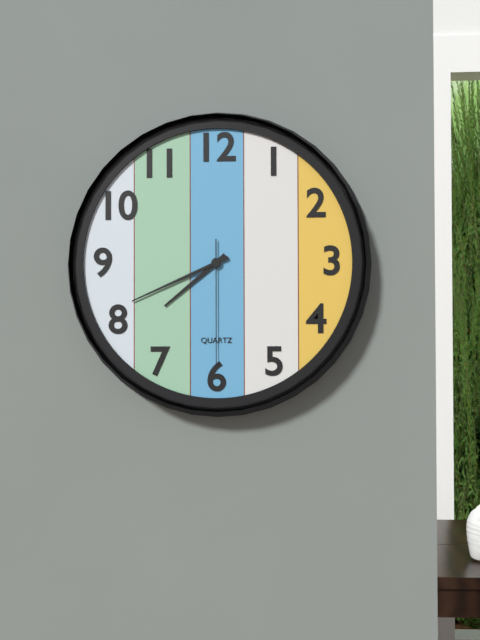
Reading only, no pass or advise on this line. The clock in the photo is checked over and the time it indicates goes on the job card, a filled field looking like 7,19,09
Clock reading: 7,41,30
